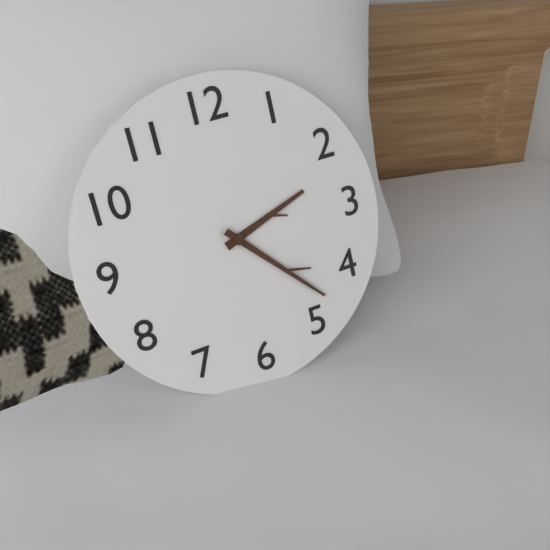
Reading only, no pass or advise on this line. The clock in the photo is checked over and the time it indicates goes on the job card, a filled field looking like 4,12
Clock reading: 2,23
